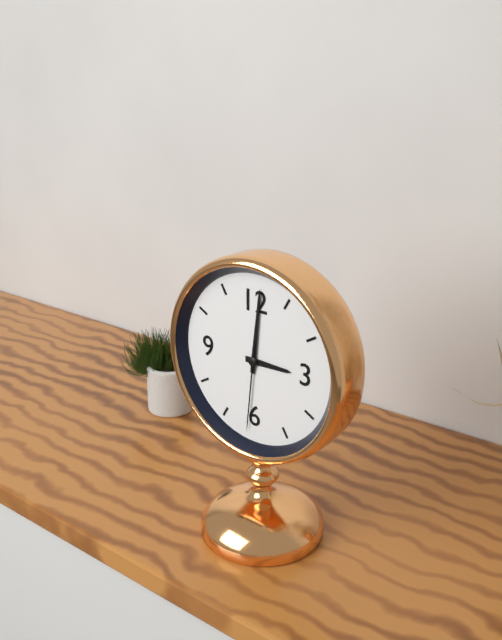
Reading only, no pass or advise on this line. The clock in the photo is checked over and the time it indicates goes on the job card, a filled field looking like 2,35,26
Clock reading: 3,01,31
